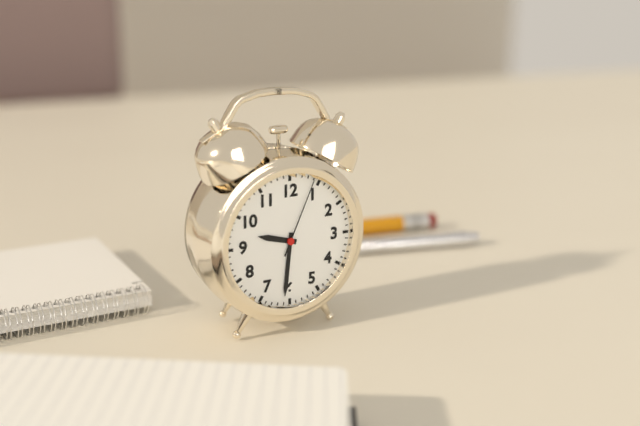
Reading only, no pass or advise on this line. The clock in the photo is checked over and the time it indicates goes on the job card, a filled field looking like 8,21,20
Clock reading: 9,31,04
